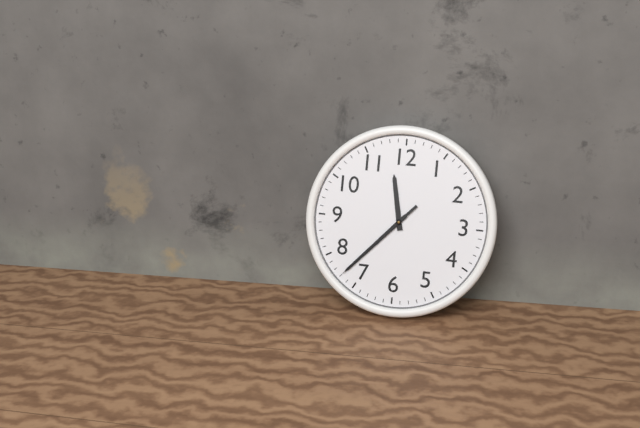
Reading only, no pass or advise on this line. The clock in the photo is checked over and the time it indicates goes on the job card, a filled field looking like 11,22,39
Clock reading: 11,37,37
